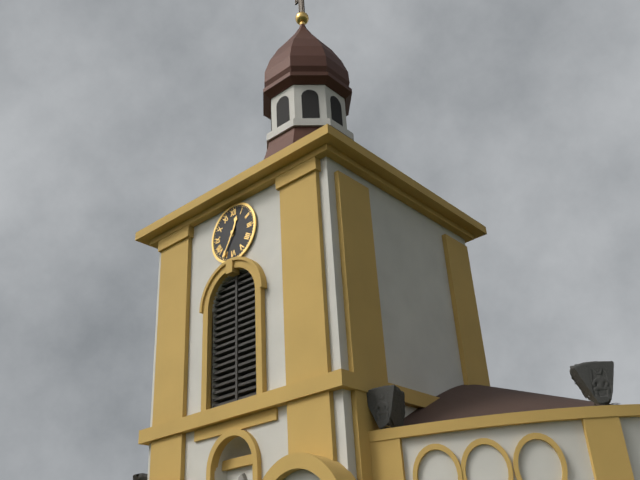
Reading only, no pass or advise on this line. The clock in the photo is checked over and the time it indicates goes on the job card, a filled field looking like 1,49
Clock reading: 12,35
